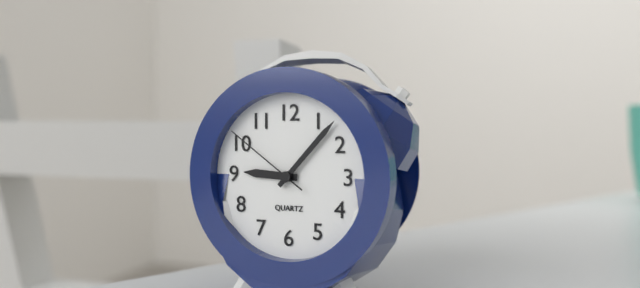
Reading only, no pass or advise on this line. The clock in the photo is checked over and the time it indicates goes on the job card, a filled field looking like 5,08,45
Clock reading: 9,07,51
